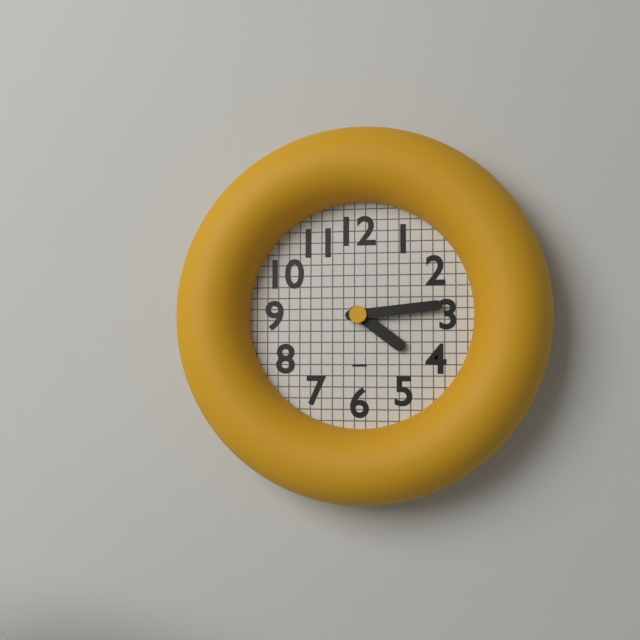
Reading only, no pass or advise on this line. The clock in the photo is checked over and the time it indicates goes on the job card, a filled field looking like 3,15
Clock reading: 4,14
